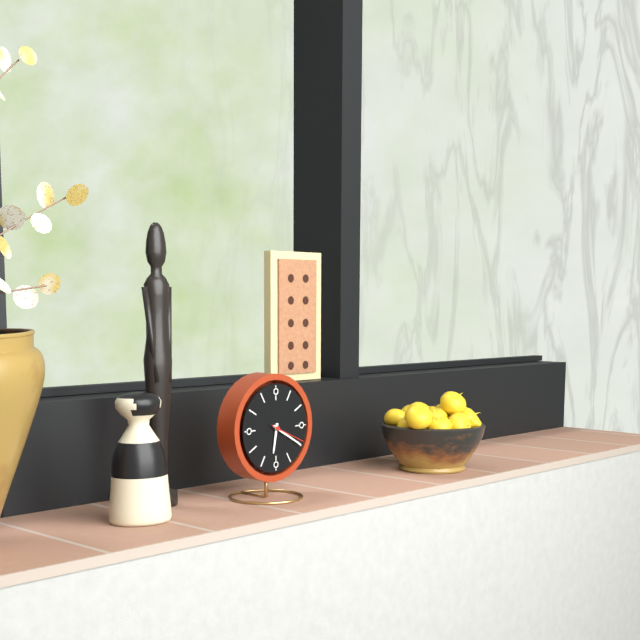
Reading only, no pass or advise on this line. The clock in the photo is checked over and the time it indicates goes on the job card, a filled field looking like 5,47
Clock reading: 6,20
